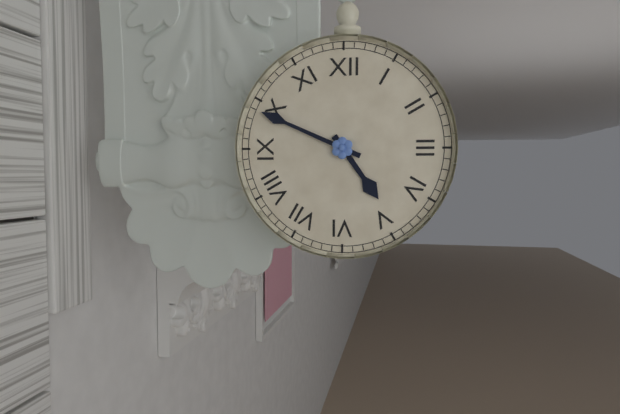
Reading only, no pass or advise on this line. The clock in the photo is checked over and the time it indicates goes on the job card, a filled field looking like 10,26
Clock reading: 4,49
